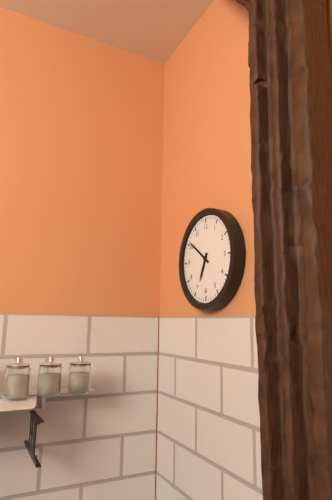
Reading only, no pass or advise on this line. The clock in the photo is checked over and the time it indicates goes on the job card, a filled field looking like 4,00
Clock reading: 6,51
